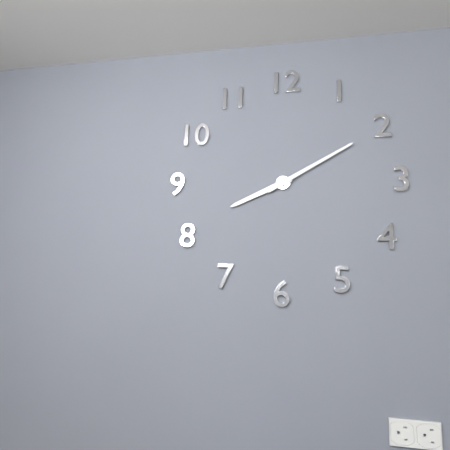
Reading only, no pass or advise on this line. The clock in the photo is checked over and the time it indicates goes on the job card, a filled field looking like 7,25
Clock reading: 8,10
